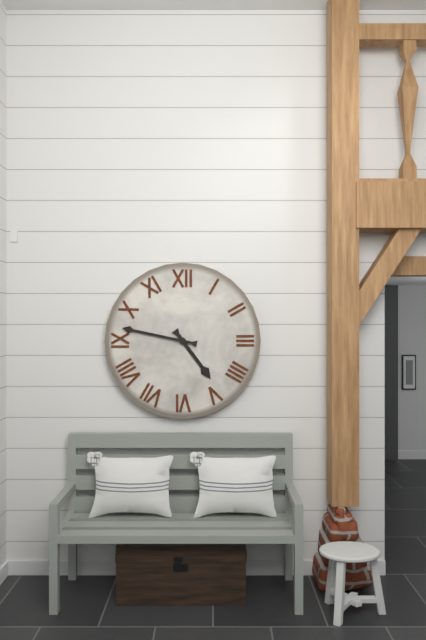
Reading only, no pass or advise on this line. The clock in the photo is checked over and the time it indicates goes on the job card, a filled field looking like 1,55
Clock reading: 4,47
